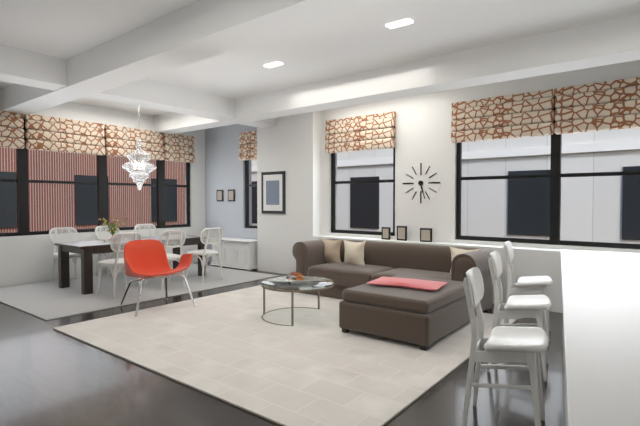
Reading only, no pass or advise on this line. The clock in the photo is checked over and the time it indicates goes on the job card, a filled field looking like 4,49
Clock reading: 5,27
